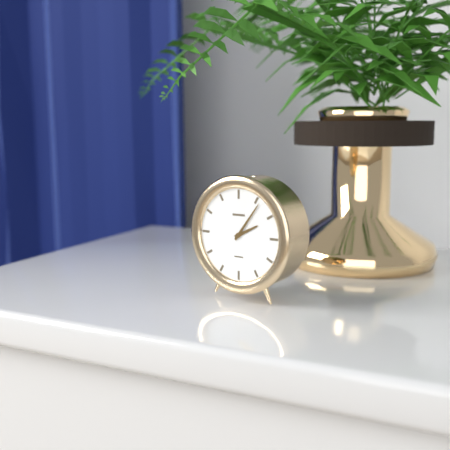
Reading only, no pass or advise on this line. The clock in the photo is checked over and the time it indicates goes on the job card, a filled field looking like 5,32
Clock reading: 2,06
